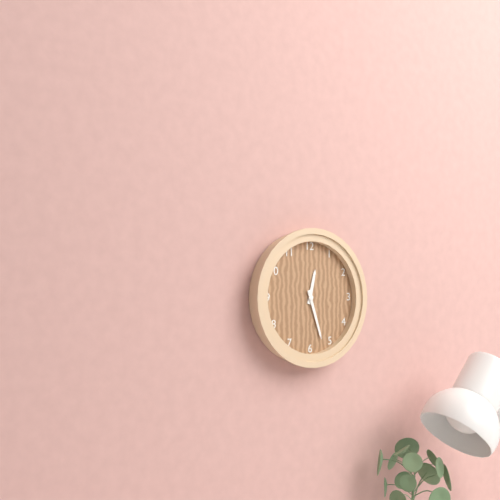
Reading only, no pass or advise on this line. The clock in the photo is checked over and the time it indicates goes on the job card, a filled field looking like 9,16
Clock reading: 12,27
